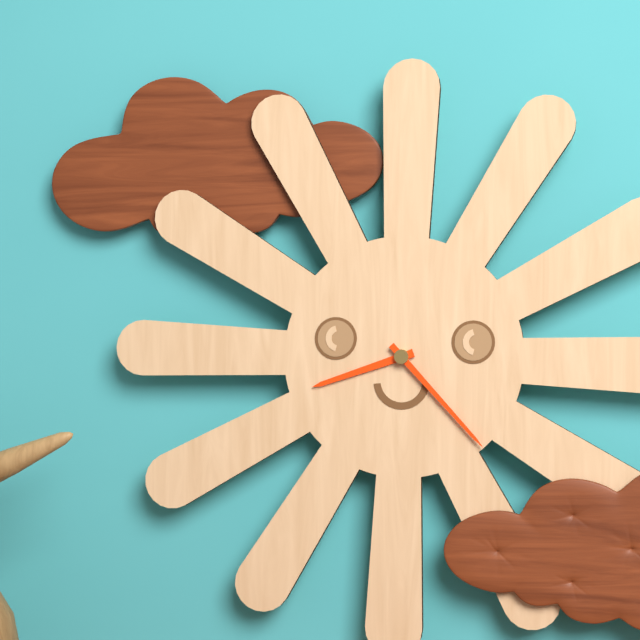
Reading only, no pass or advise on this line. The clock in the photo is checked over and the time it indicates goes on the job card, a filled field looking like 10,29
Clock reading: 8,23
